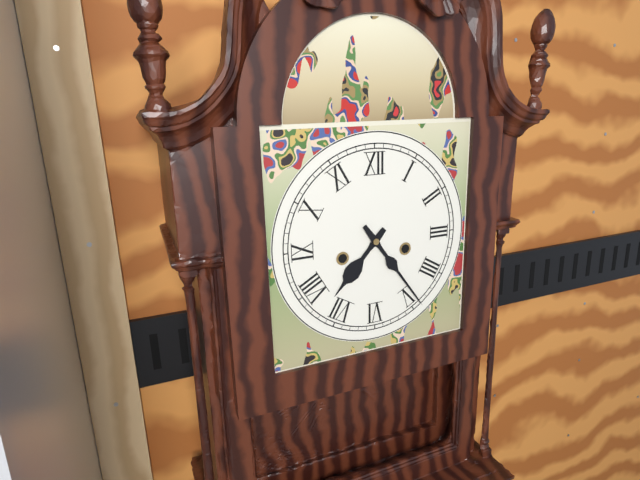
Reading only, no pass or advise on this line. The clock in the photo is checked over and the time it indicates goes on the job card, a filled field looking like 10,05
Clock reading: 7,24
